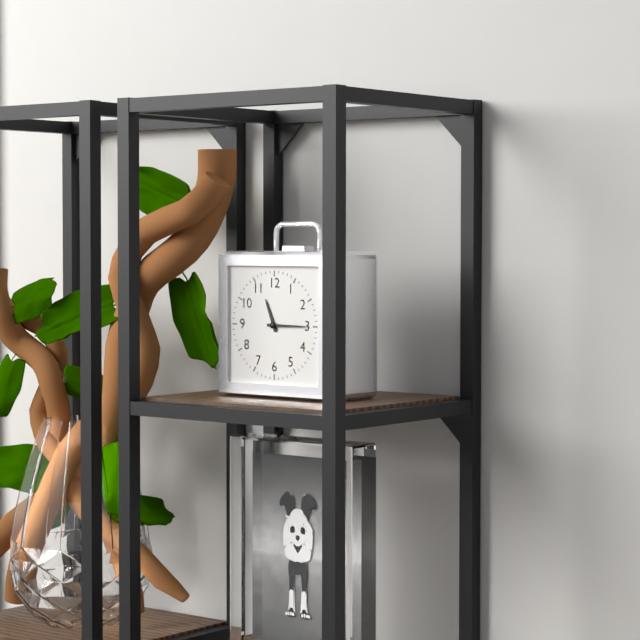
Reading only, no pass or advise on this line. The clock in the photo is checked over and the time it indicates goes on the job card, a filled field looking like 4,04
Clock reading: 11,15
